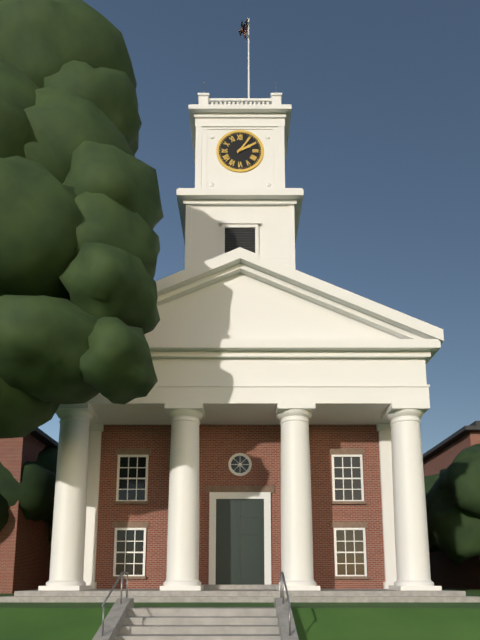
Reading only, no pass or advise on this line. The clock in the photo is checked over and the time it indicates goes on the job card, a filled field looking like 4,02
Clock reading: 2,06
